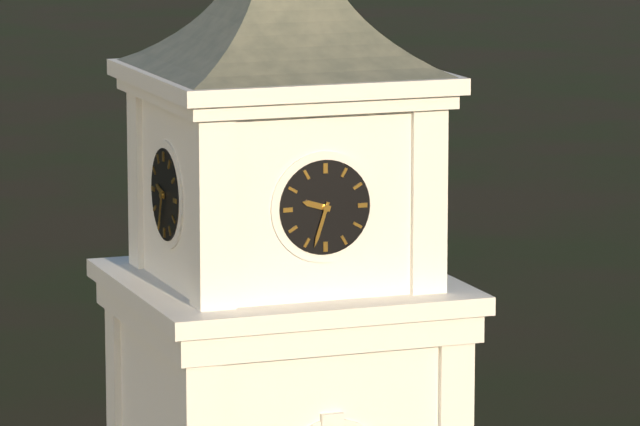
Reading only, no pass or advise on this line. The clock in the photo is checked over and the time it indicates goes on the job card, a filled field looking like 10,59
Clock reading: 9,33
